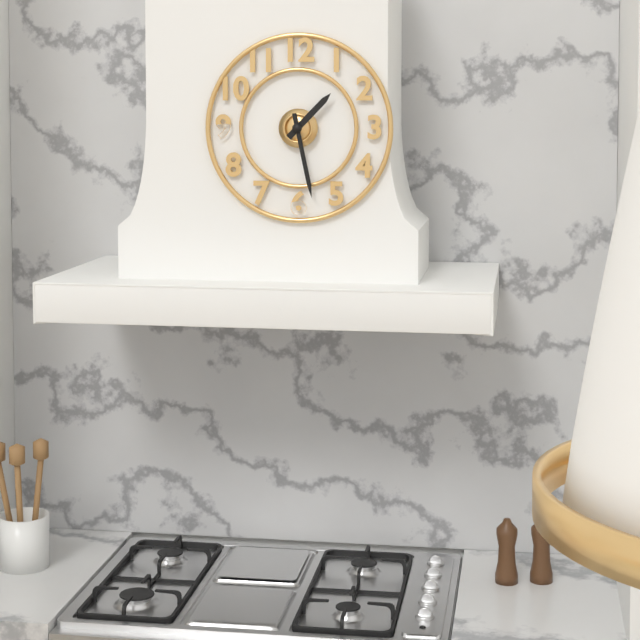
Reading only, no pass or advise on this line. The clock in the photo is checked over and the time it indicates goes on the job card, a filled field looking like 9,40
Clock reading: 1,28
